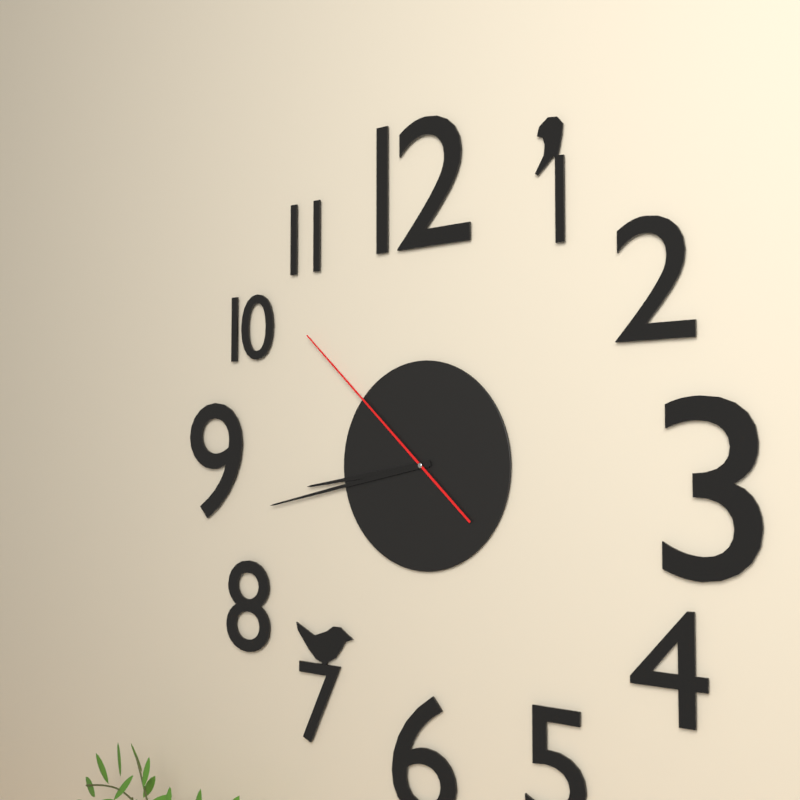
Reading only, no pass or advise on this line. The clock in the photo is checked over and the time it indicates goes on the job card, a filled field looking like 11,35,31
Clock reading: 8,43,52
